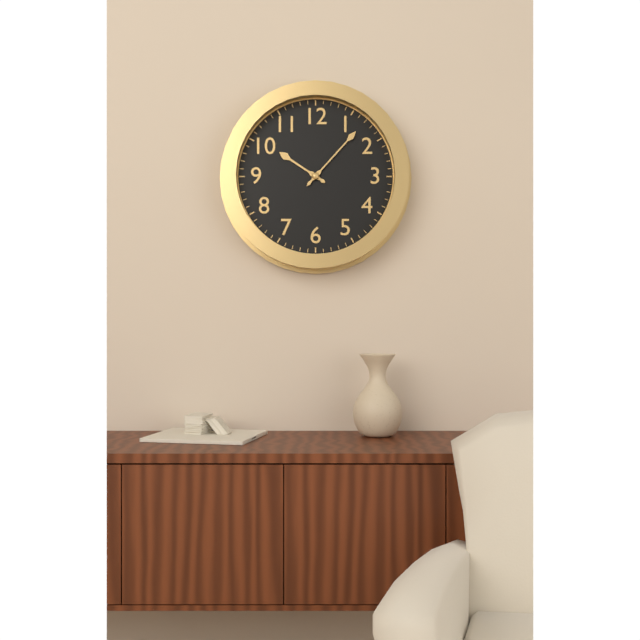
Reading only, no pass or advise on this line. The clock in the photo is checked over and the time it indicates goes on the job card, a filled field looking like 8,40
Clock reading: 10,07
